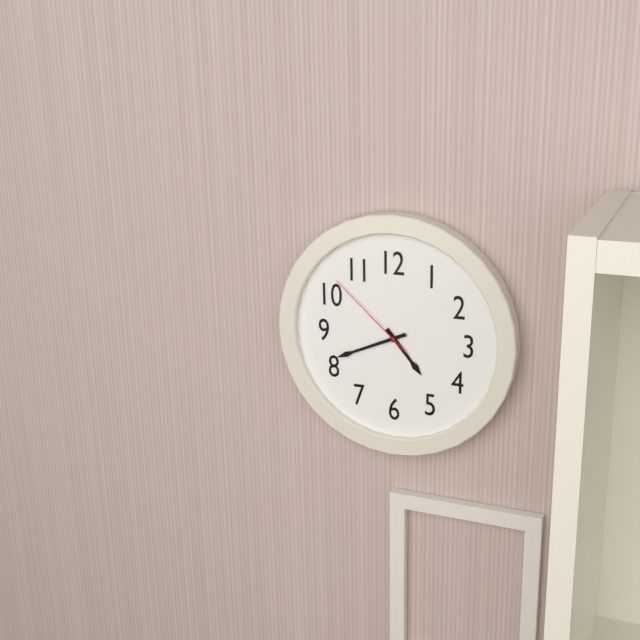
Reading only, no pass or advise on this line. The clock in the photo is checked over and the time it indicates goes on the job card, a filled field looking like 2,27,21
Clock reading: 4,41,52
